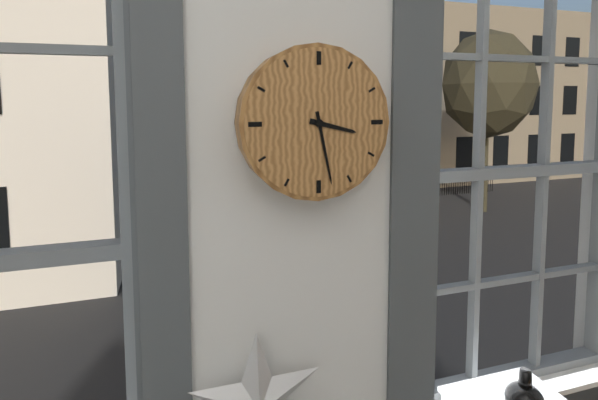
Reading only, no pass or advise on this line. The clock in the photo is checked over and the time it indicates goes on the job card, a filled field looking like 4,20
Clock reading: 3,28
